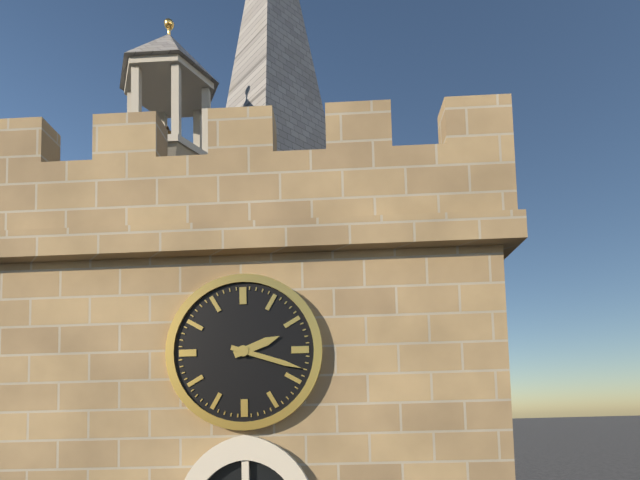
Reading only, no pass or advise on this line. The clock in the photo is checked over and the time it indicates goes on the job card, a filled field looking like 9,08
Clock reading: 2,18
